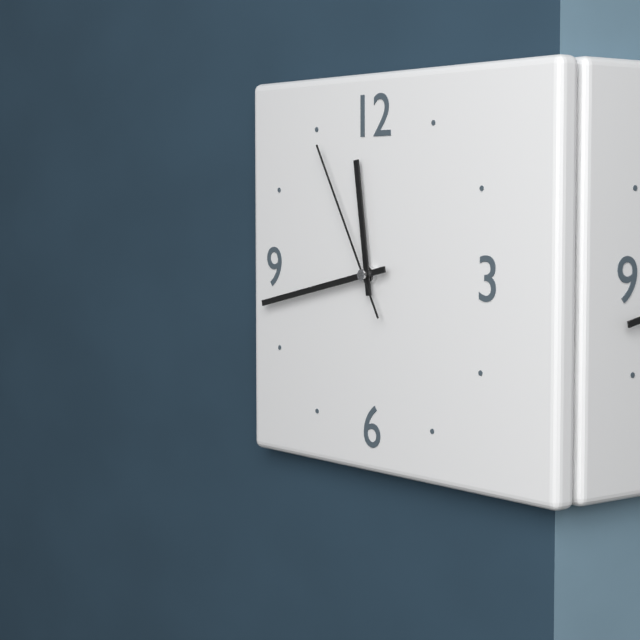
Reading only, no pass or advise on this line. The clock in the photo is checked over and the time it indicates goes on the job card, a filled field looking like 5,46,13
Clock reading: 11,43,55
